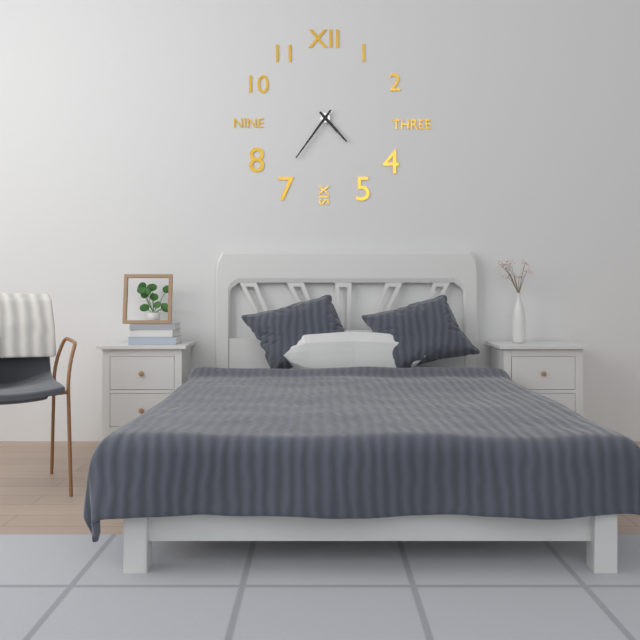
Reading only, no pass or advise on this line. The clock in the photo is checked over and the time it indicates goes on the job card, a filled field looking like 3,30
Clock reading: 4,36
